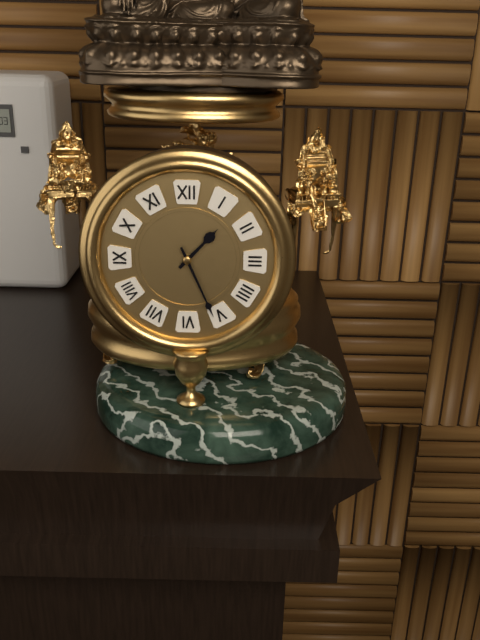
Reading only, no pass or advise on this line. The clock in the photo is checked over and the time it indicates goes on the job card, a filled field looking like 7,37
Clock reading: 1,26
